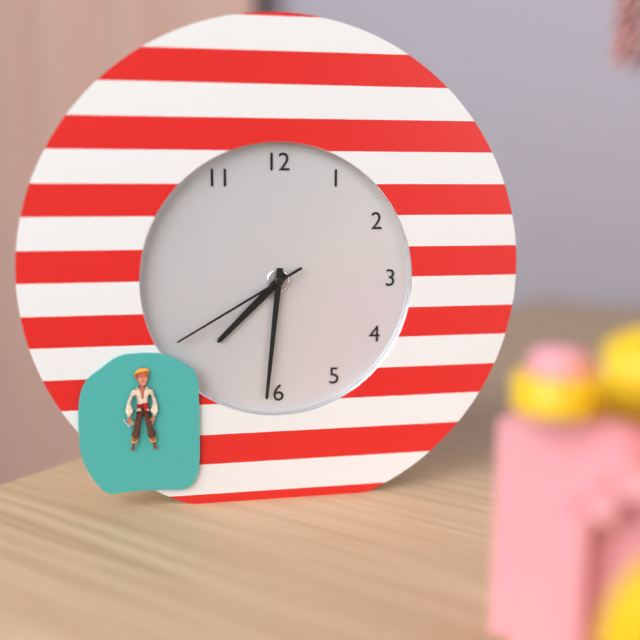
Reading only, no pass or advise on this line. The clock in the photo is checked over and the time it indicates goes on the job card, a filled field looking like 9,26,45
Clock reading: 7,31,40
